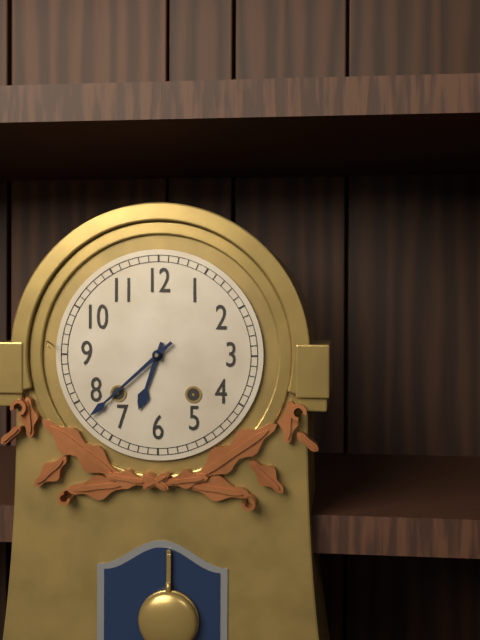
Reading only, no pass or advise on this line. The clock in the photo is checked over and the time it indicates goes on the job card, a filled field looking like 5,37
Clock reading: 6,38
